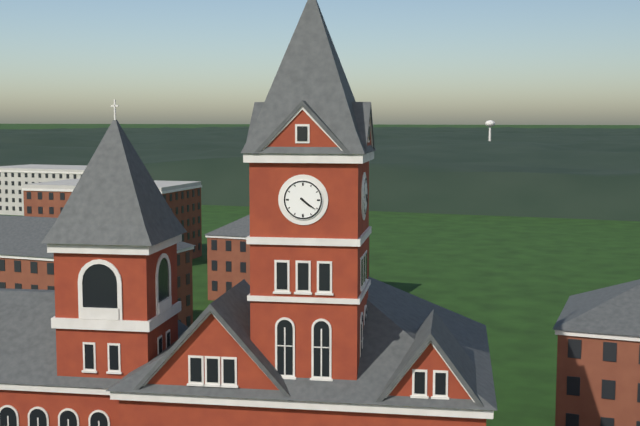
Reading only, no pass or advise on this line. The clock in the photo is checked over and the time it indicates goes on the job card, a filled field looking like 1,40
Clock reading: 4,21
